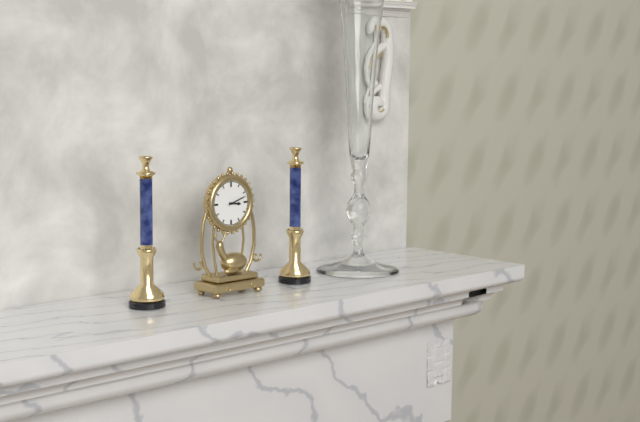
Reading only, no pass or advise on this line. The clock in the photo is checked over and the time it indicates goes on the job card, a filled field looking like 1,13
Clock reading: 3,12
